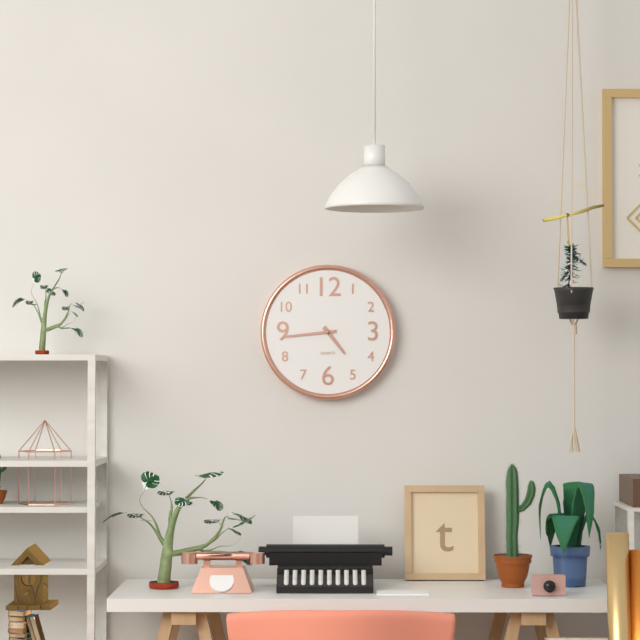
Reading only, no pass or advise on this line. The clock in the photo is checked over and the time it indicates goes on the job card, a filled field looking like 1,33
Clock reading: 4,44
